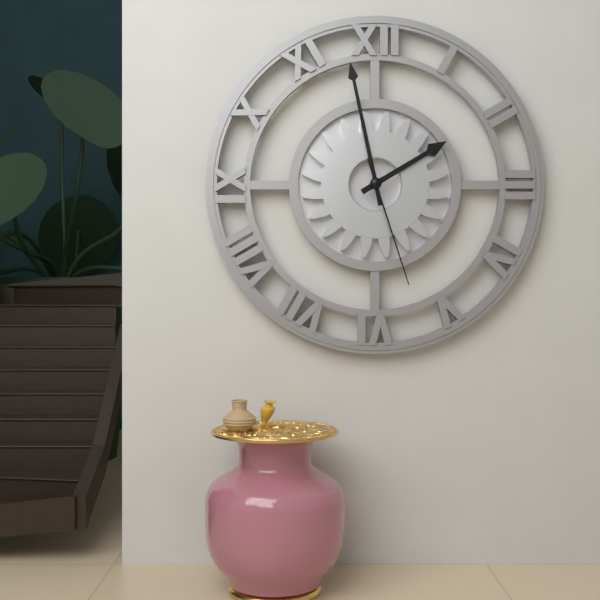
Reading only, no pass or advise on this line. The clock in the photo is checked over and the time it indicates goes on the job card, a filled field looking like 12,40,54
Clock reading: 1,58,27
